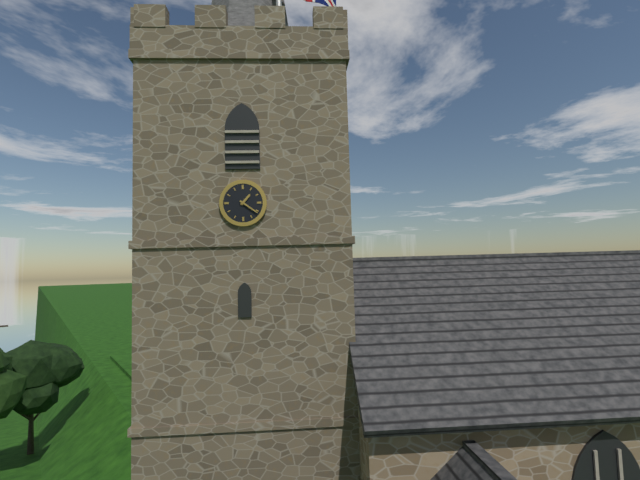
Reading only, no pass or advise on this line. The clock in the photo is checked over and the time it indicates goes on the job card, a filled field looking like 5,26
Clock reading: 1,21
